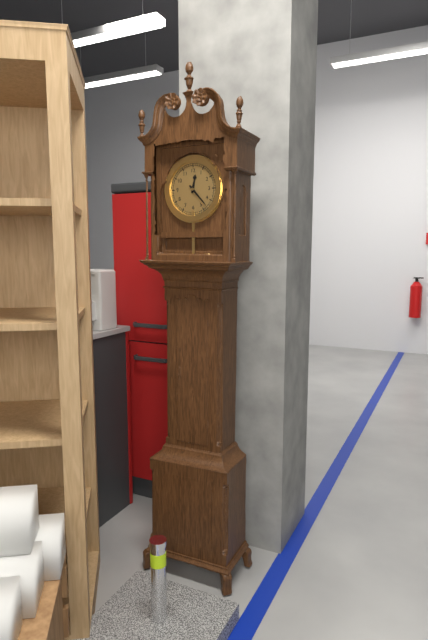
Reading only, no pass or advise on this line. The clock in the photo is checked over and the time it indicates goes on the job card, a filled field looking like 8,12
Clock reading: 12,23
